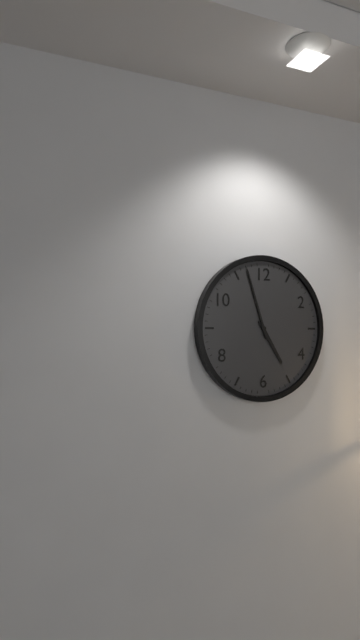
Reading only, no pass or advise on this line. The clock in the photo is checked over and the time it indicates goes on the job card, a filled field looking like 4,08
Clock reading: 4,57
